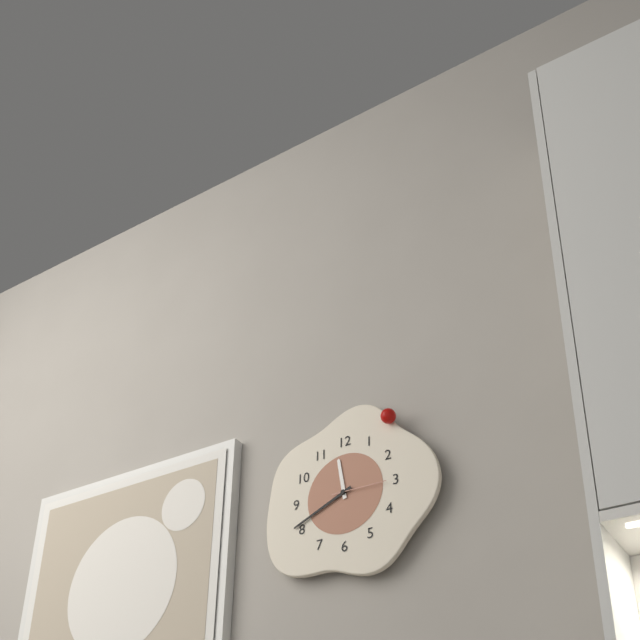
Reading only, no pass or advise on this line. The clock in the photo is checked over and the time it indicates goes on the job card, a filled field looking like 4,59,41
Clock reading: 11,41,15
